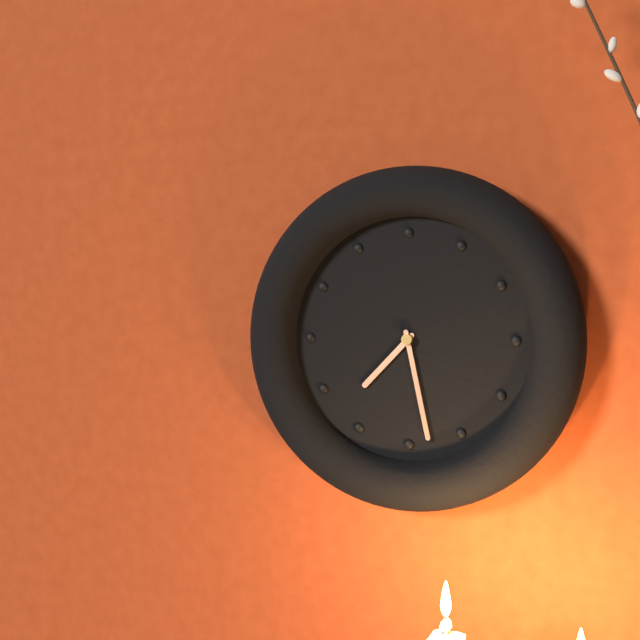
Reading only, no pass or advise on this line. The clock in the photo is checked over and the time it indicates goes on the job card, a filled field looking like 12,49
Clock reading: 7,28
